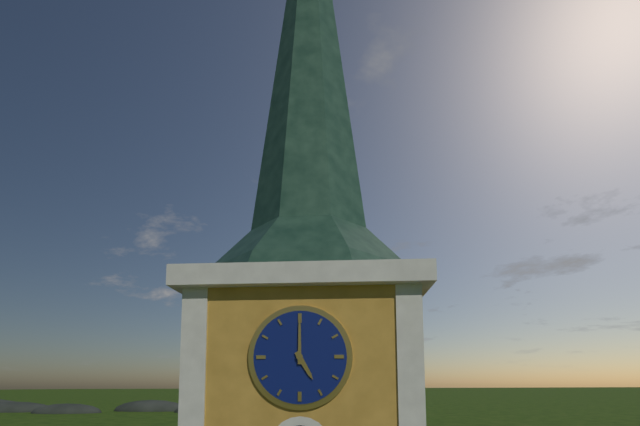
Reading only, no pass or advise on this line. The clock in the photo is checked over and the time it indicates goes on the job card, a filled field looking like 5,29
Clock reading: 5,00
